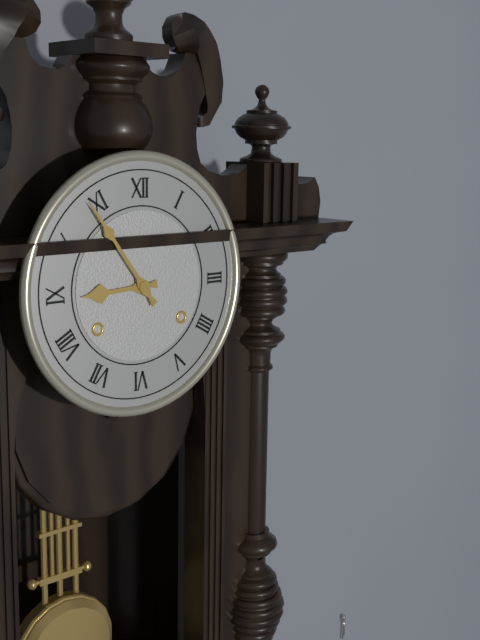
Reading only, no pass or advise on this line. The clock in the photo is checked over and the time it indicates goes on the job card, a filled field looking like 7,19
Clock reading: 8,54
